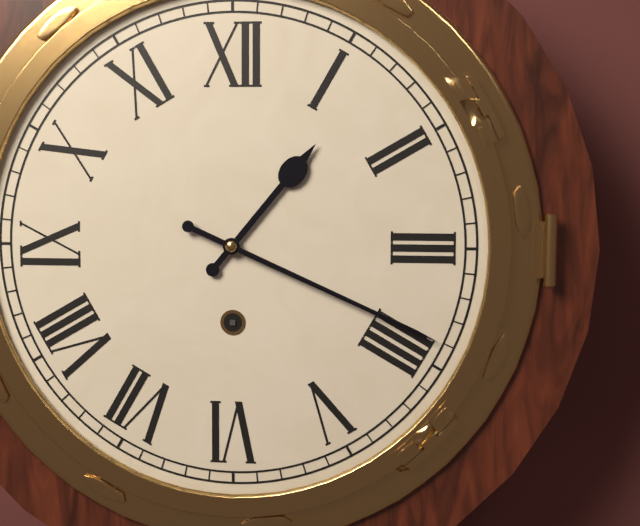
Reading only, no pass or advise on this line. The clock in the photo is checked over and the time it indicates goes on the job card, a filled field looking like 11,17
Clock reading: 1,19
